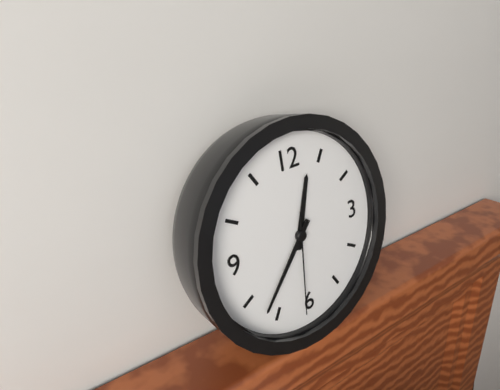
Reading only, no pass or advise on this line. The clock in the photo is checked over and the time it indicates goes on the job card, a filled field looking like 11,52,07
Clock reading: 12,37,31
